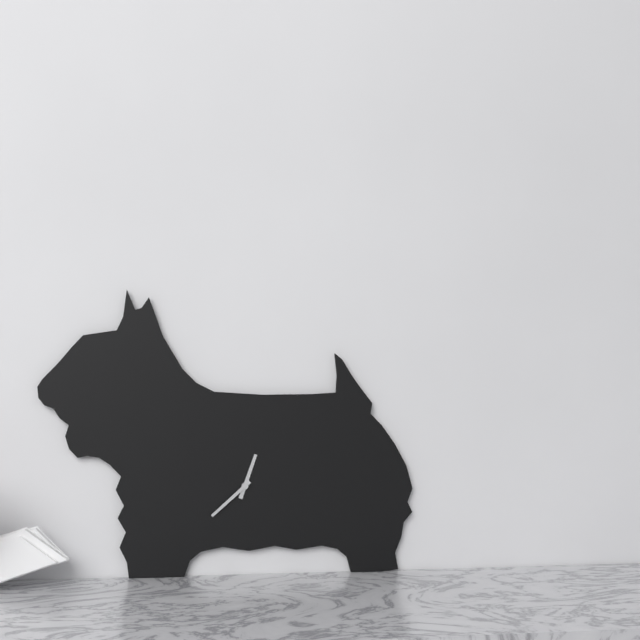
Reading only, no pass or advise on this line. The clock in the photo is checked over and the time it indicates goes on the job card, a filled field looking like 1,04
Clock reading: 12,38
